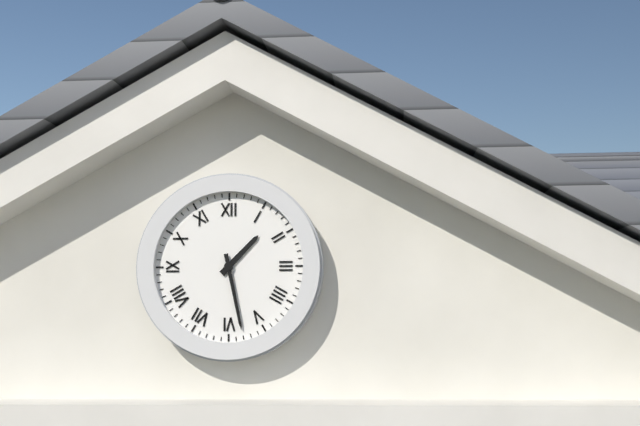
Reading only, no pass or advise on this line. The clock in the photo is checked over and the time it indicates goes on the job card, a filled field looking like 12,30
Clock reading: 1,28
